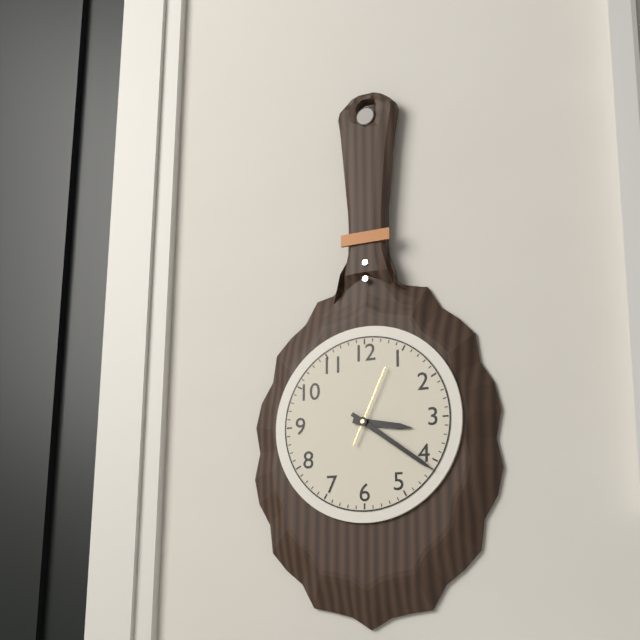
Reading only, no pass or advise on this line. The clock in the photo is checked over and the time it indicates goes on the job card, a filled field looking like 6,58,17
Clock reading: 3,21,04
